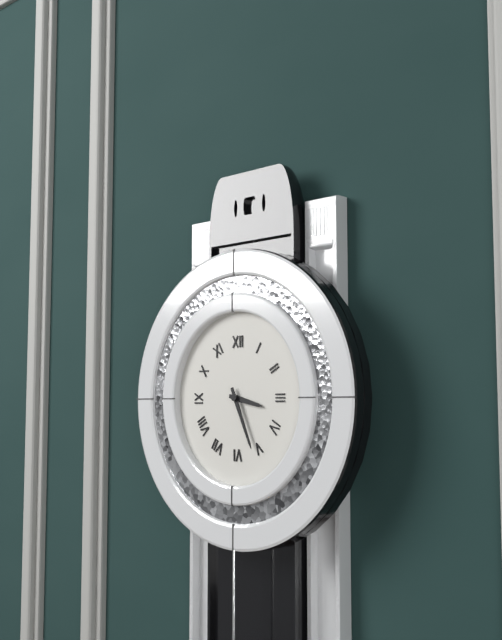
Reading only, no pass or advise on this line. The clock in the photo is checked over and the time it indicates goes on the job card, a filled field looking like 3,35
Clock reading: 3,26
